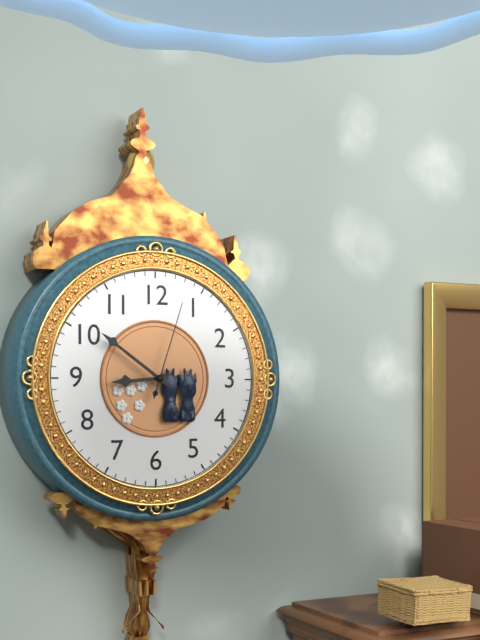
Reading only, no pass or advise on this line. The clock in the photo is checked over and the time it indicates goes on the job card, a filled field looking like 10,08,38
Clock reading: 8,51,03
